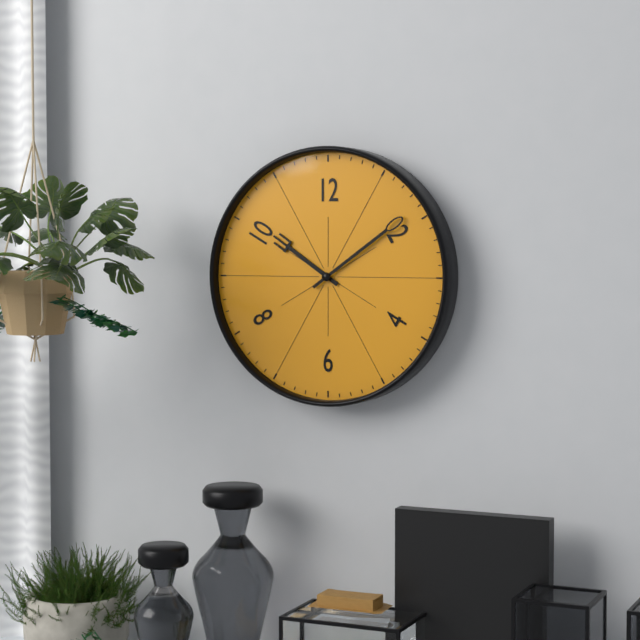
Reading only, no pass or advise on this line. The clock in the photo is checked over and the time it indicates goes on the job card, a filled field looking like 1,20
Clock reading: 10,09
